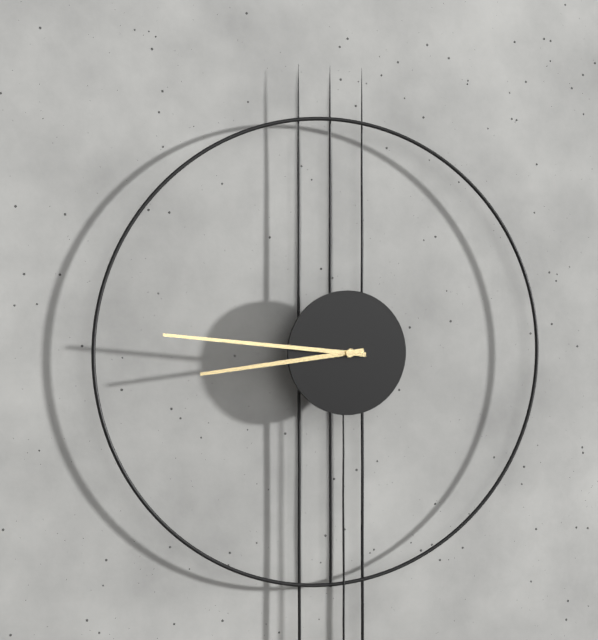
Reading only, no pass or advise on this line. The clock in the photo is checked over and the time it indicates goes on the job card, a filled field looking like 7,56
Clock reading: 8,46
